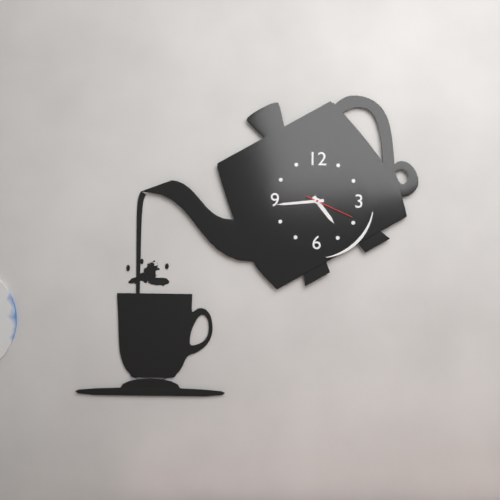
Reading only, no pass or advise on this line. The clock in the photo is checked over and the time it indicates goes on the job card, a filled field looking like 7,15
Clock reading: 4,44
